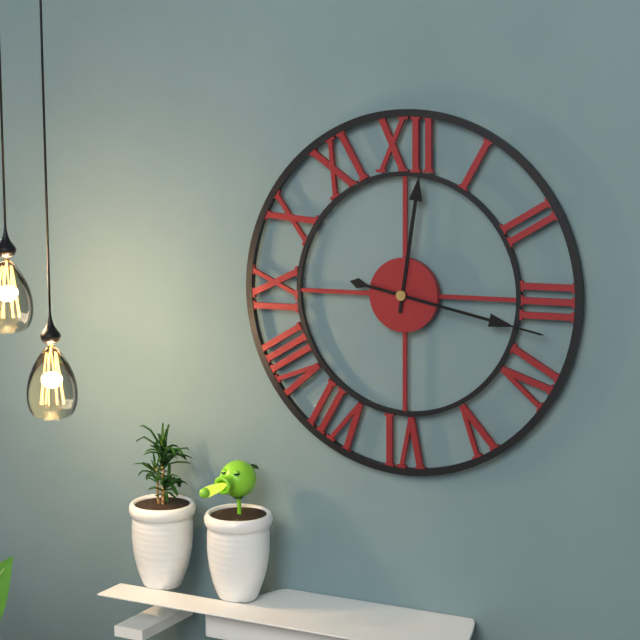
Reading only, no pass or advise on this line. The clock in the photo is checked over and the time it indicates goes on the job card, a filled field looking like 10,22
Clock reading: 12,17
